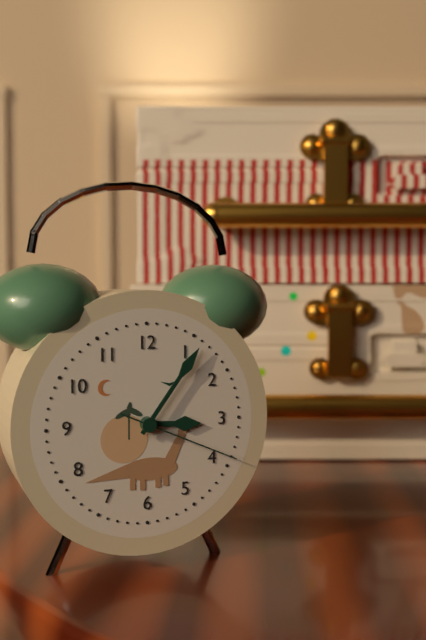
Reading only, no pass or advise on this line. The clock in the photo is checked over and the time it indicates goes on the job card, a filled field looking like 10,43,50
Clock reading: 3,06,19
